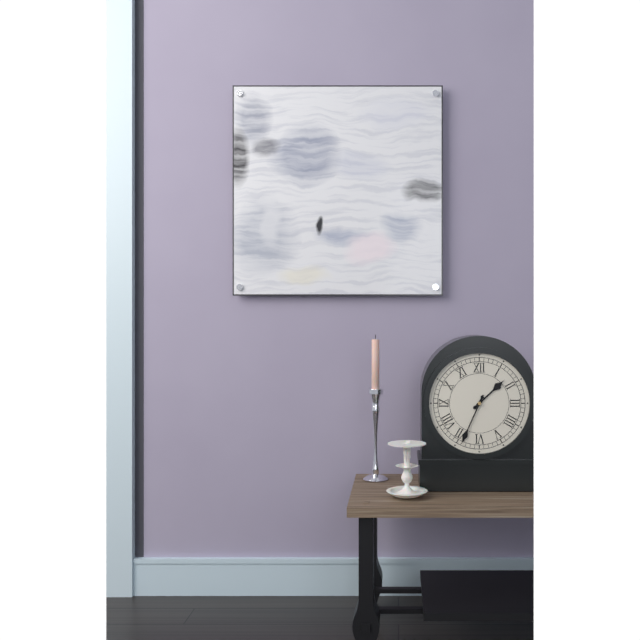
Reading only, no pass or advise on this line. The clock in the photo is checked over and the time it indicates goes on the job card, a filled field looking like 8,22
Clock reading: 1,34
